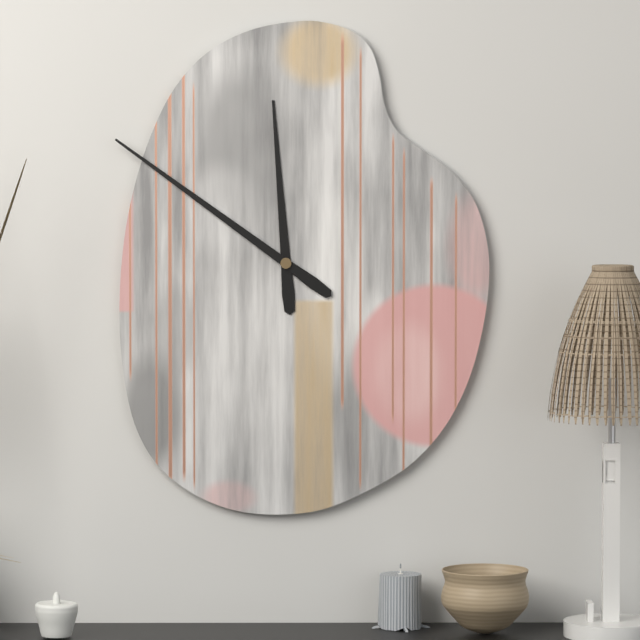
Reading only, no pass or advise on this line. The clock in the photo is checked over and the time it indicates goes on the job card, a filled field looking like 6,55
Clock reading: 11,51
